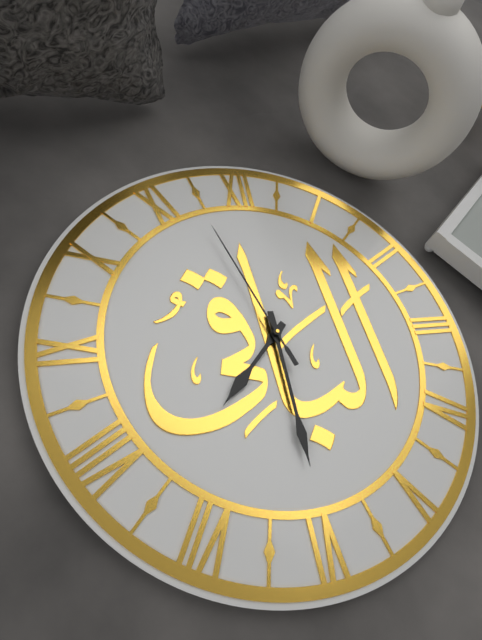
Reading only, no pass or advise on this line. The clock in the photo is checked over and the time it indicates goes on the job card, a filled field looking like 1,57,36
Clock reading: 7,30,57
